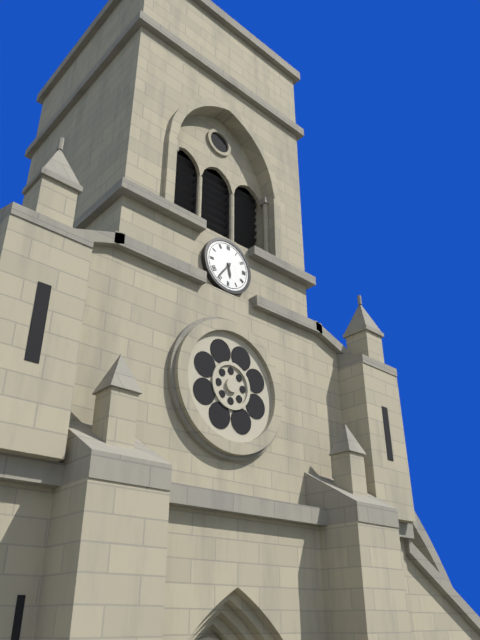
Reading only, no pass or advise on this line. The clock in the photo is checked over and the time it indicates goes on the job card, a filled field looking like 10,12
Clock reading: 5,36
